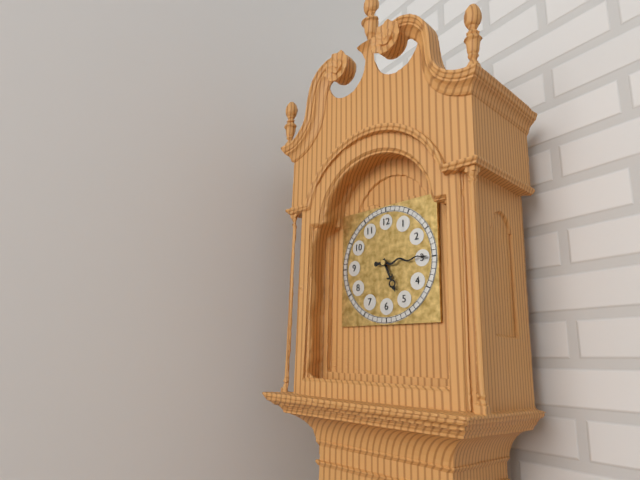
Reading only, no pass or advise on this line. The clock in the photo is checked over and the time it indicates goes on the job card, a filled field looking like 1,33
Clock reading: 5,15
